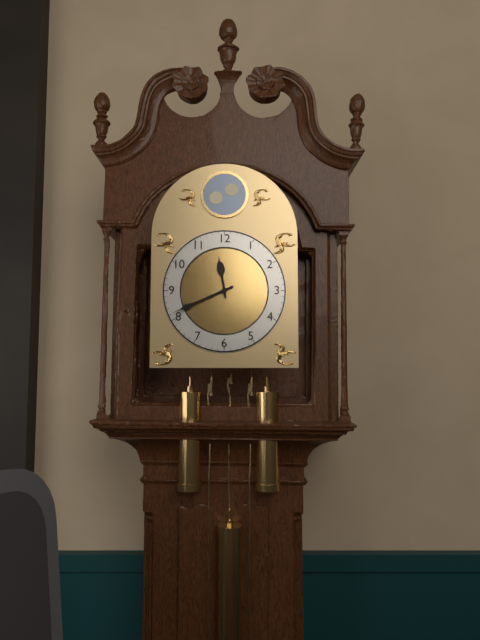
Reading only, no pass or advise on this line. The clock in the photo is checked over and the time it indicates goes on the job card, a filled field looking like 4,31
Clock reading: 11,41
